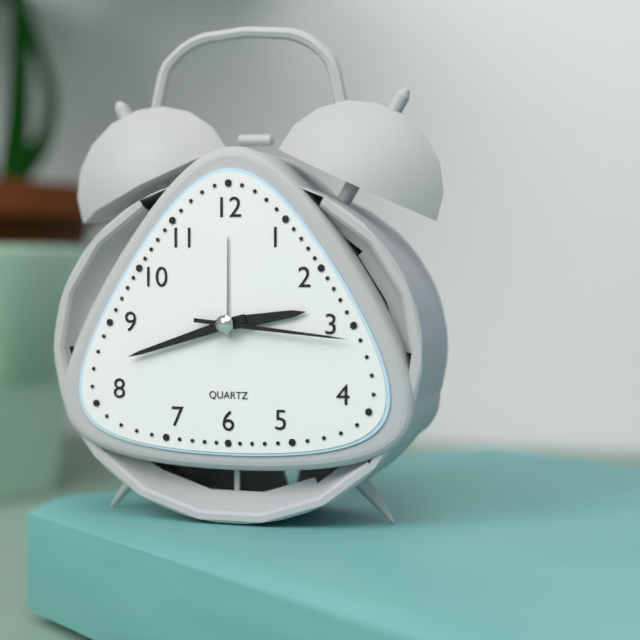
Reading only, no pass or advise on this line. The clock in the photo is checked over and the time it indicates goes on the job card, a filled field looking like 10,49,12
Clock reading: 2,42,16
